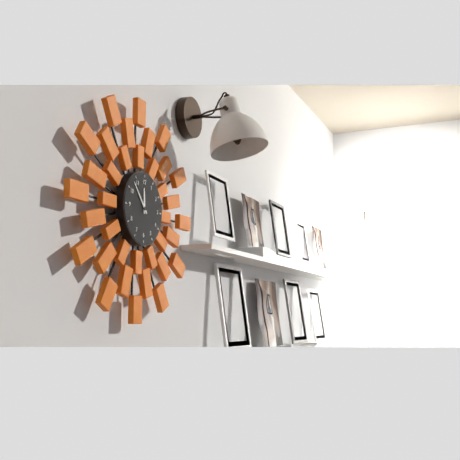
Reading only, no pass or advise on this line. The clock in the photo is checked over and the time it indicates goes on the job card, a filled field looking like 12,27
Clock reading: 11,53
